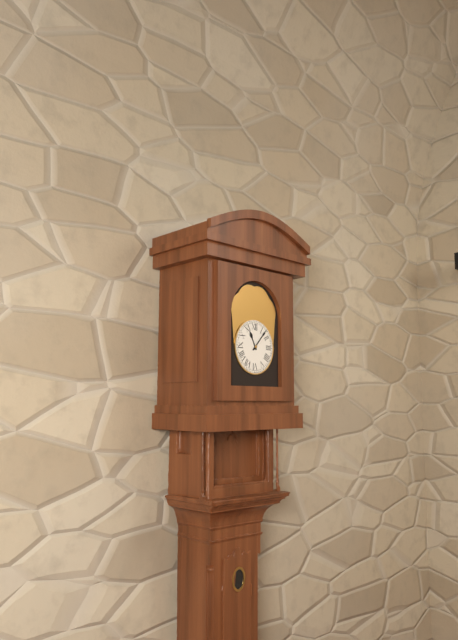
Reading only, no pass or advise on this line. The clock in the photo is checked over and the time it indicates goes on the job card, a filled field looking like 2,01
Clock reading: 11,07
